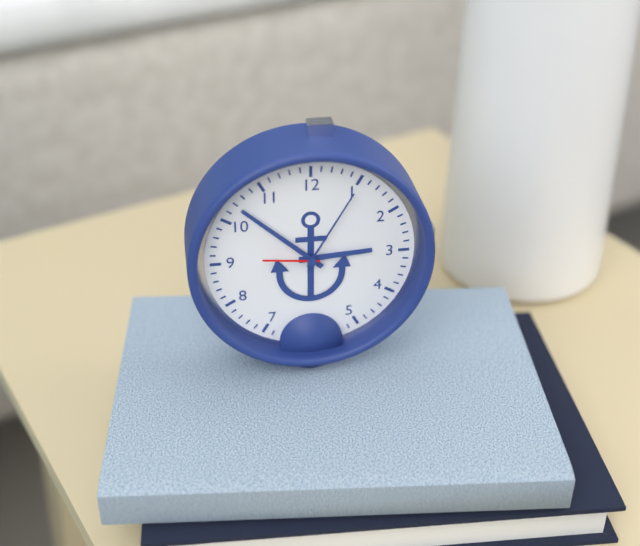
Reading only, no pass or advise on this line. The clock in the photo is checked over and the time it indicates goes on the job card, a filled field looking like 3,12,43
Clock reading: 2,52,46
